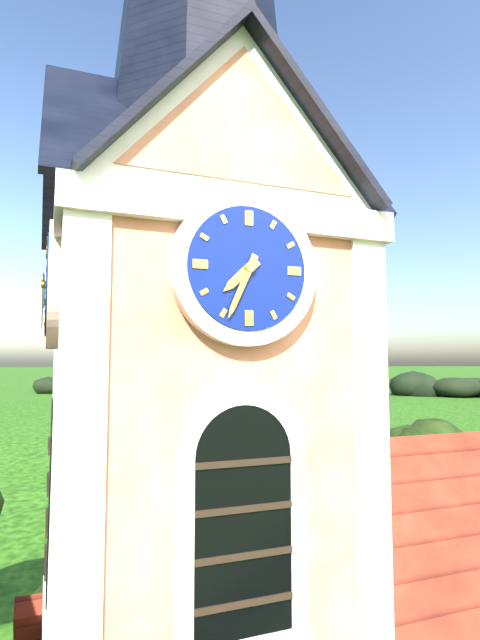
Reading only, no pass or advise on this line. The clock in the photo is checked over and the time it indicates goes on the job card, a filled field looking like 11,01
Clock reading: 7,34
